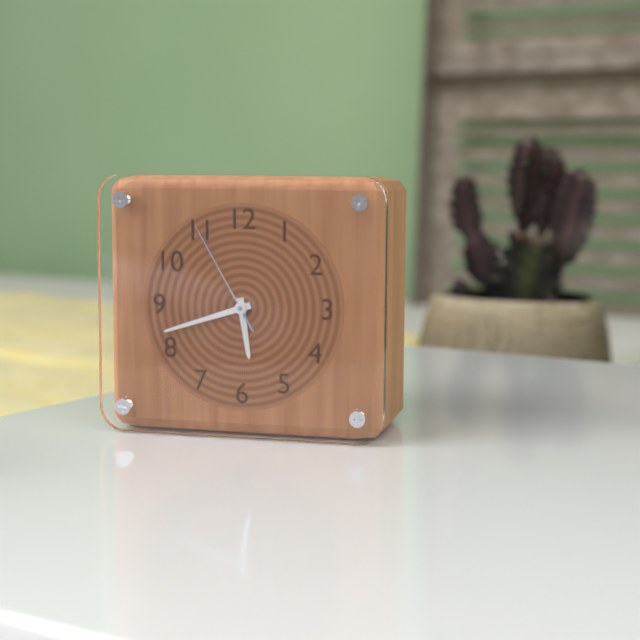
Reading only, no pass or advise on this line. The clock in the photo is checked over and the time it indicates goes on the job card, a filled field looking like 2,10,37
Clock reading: 5,42,55
